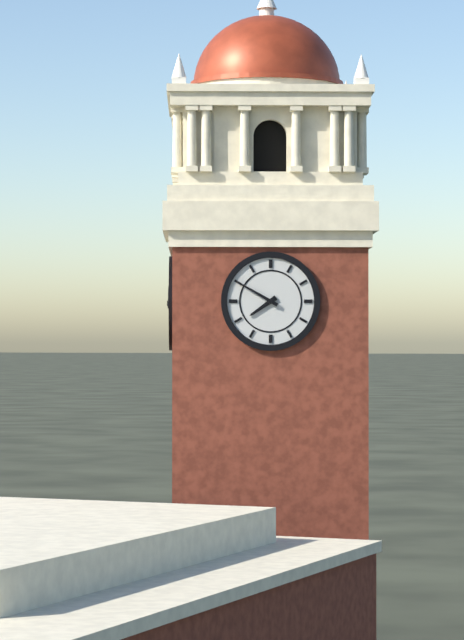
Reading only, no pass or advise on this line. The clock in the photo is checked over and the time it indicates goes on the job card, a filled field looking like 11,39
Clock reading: 7,50
